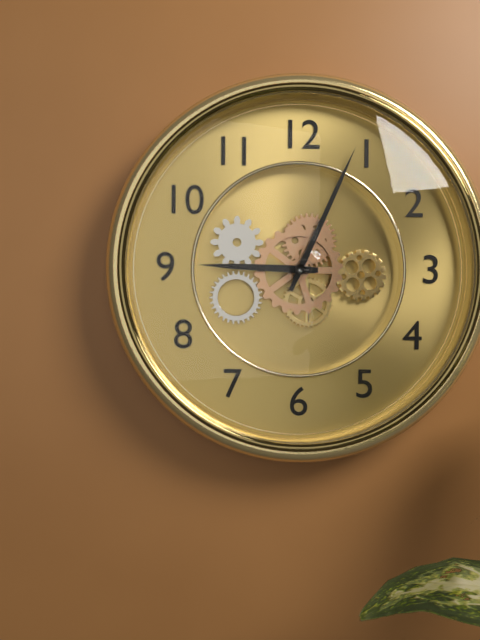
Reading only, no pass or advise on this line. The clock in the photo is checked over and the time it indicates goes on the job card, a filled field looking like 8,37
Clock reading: 9,04
